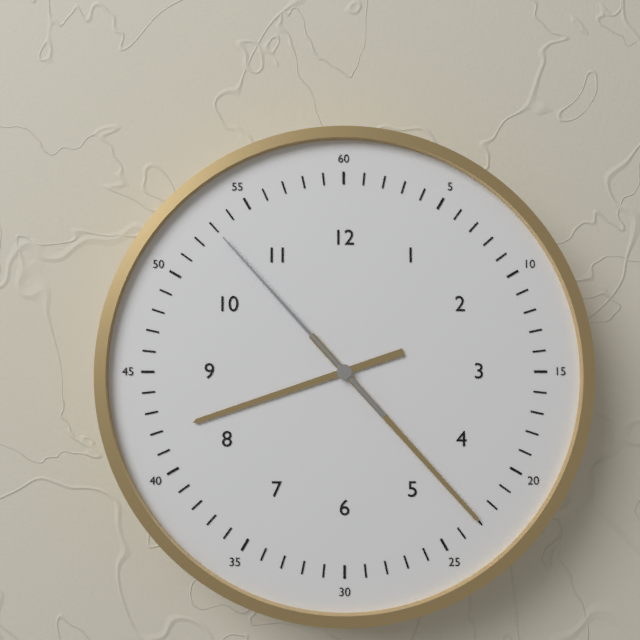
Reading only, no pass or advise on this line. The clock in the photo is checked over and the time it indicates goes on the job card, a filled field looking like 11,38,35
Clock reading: 8,23,53
